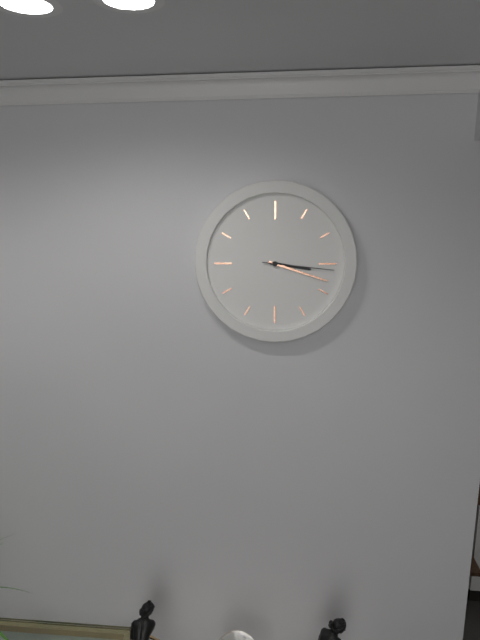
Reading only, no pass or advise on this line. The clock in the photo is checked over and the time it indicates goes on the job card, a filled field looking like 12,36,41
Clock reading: 3,18,16
